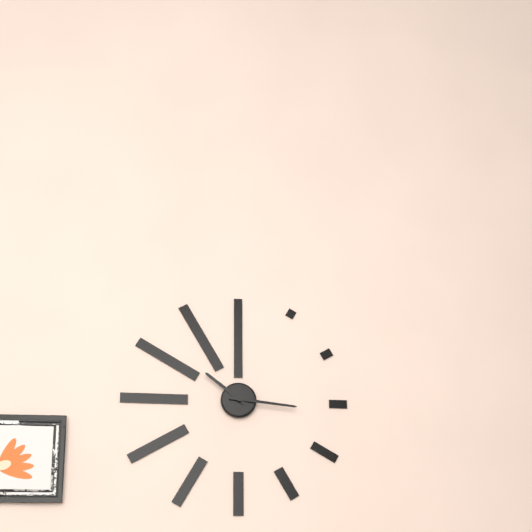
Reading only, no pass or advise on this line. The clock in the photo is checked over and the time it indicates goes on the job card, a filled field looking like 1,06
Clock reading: 10,16
